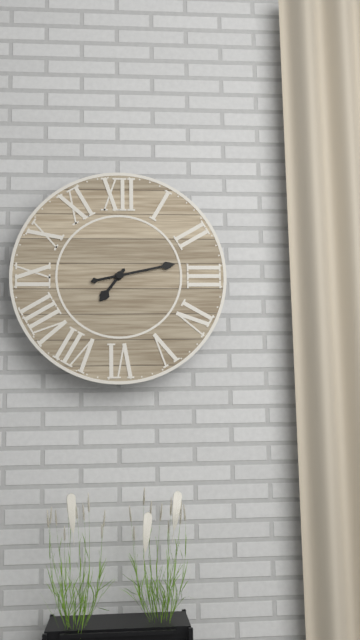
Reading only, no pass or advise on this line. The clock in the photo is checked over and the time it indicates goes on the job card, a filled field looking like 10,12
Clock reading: 7,13
